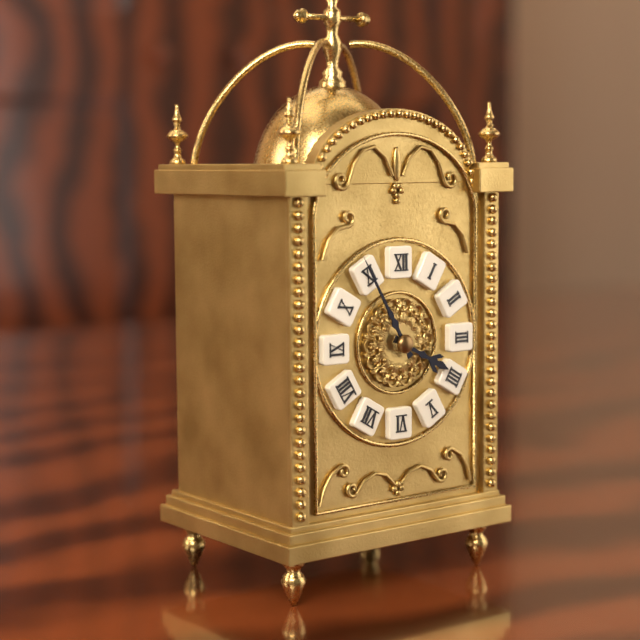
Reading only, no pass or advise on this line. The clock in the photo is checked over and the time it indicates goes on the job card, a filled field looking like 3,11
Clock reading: 3,55
